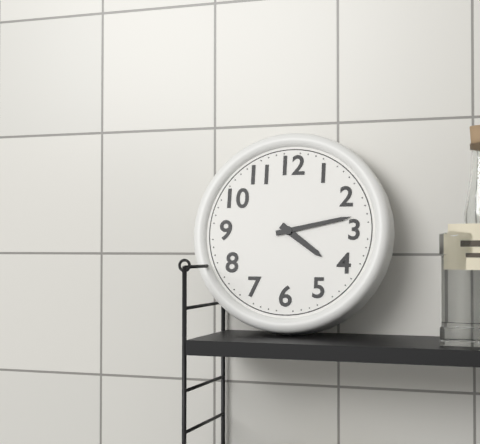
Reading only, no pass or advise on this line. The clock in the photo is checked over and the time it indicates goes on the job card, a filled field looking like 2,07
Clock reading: 4,13
